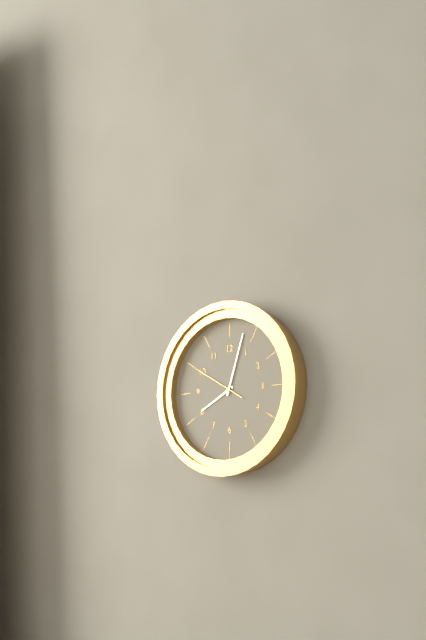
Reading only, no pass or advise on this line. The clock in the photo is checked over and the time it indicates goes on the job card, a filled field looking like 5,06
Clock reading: 8,03
